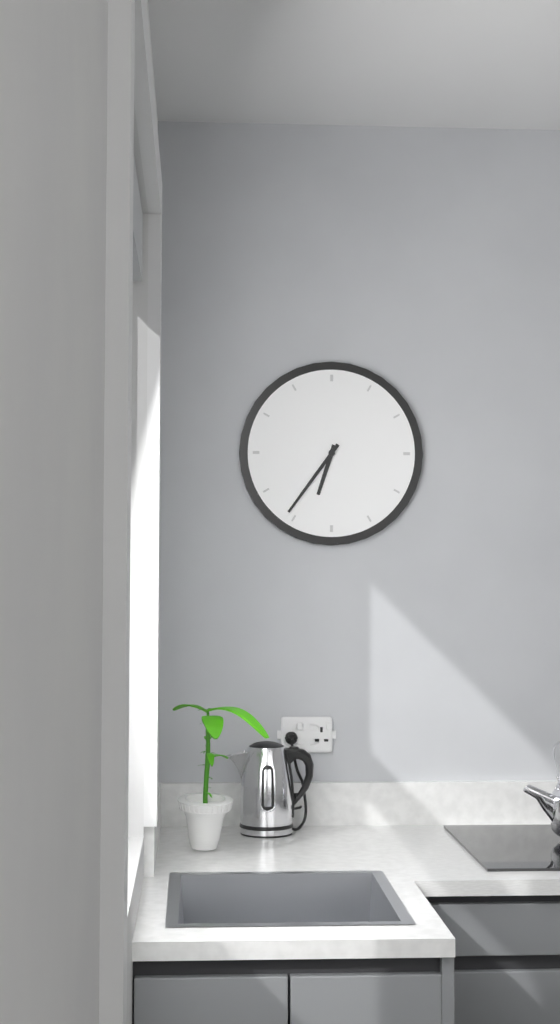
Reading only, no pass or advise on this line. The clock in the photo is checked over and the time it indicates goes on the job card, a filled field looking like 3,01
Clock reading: 6,36
